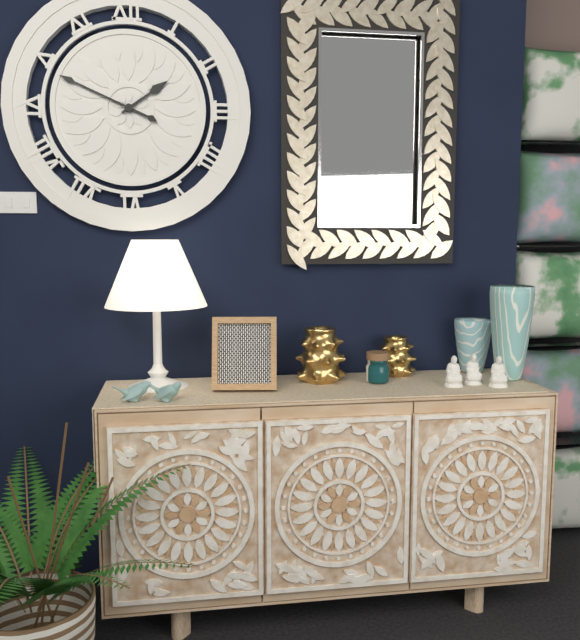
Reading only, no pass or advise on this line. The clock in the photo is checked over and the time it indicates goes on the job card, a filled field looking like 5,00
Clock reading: 1,49
